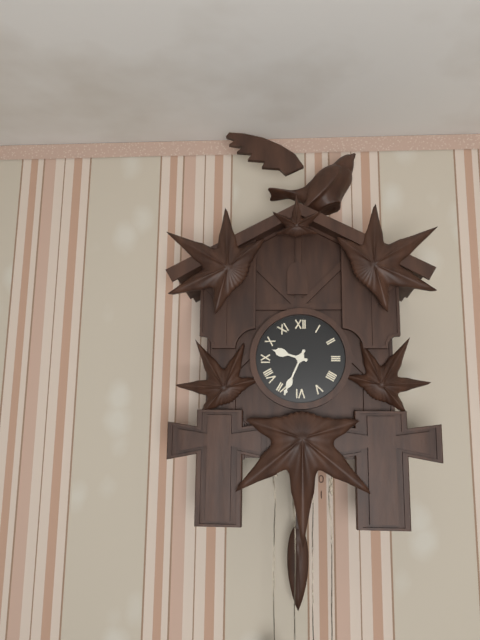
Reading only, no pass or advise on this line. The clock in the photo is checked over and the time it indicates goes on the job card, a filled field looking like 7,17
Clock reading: 9,34
